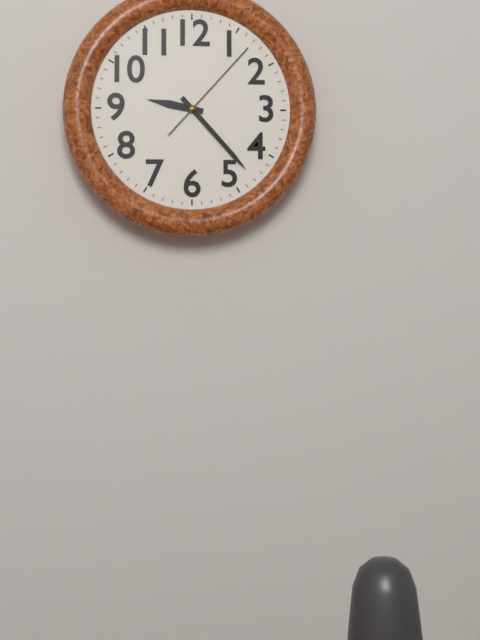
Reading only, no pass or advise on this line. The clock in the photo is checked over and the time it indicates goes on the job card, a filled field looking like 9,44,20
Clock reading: 9,23,07
